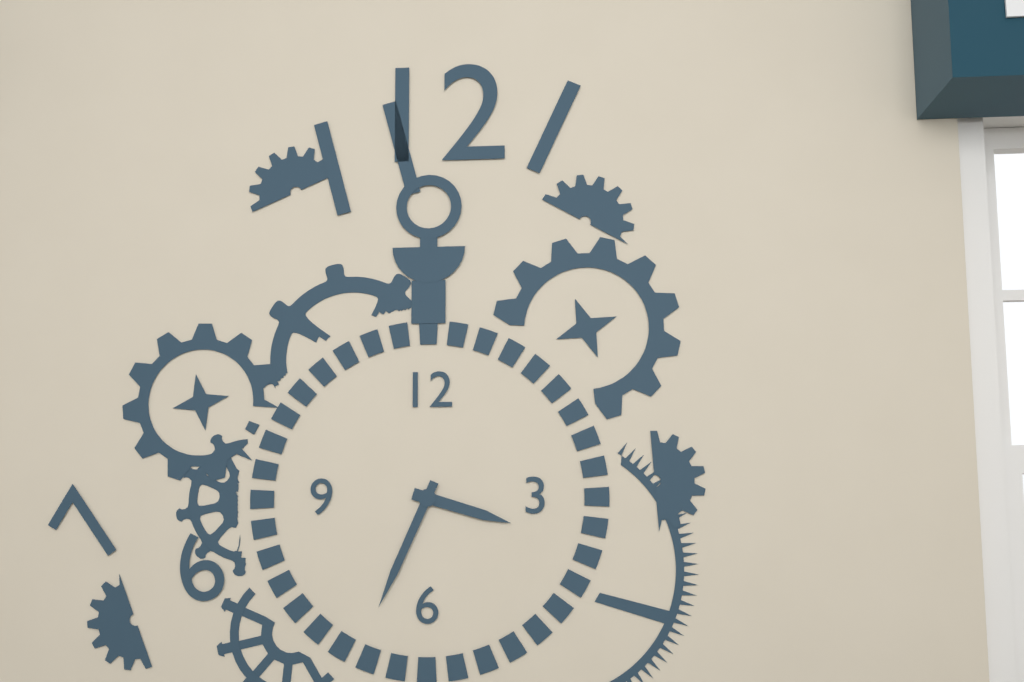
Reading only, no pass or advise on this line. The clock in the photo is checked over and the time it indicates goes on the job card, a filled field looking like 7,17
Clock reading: 3,34
